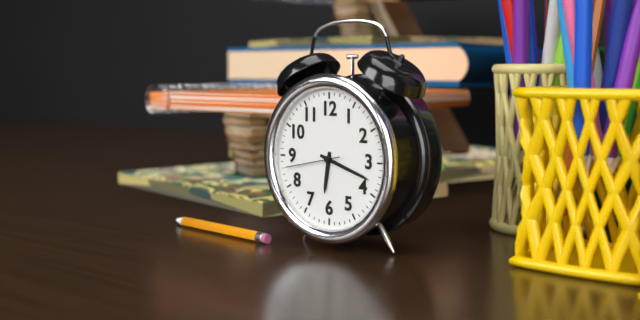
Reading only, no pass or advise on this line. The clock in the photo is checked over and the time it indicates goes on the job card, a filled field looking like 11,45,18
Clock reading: 6,18,43
